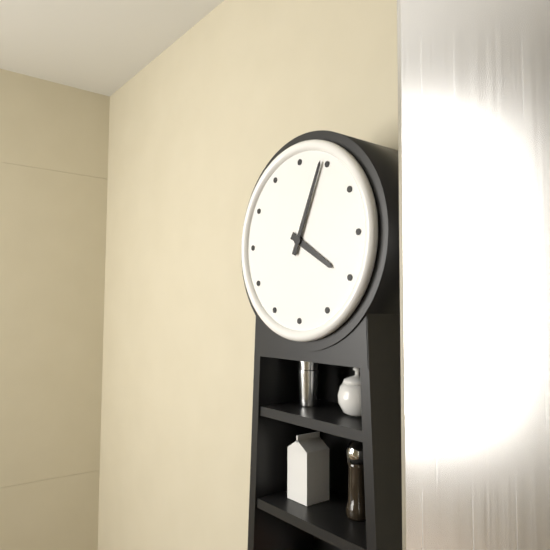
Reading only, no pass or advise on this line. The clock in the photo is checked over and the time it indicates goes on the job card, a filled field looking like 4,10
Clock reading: 4,04
